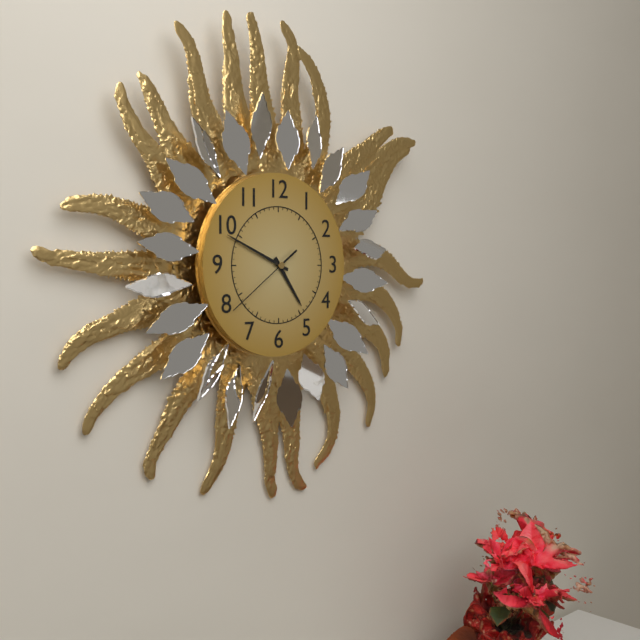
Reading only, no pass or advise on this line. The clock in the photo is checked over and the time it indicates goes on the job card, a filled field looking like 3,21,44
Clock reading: 4,49,39
